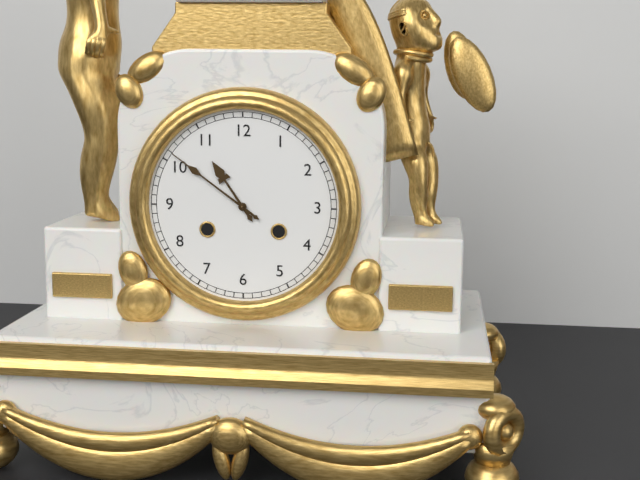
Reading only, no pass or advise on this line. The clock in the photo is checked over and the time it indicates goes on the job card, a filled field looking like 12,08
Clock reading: 10,51
